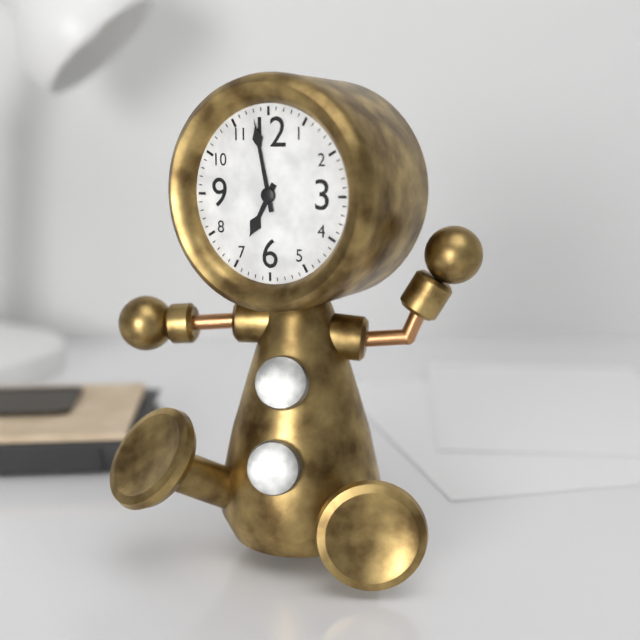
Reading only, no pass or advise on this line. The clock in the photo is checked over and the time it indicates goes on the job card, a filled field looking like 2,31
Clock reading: 6,58
